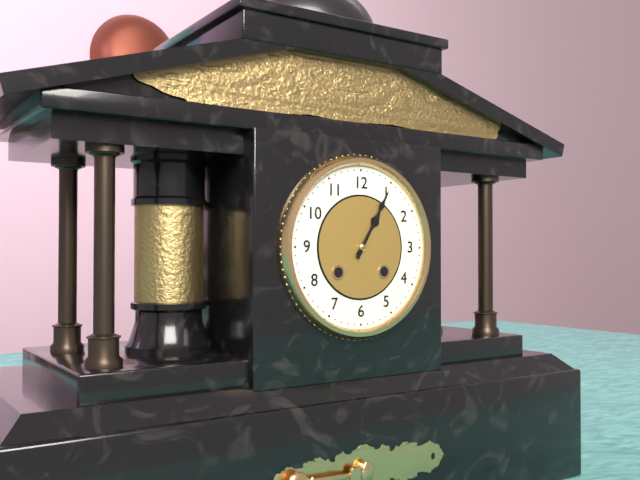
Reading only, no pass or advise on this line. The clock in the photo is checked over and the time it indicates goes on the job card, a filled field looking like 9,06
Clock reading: 1,05
